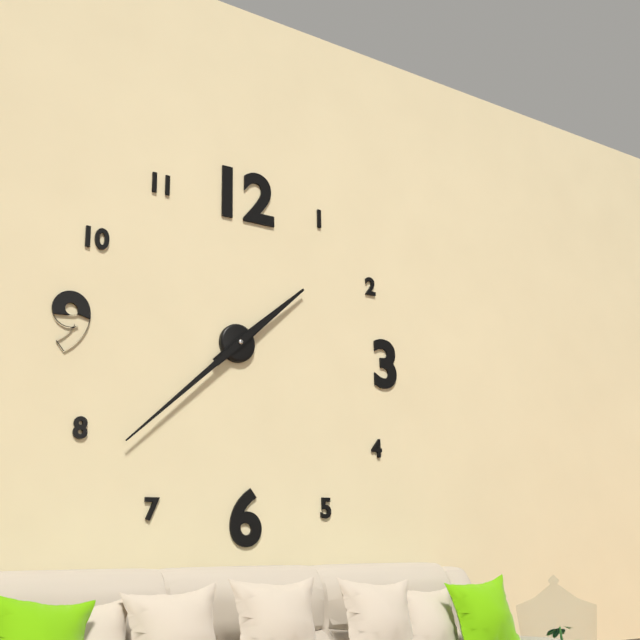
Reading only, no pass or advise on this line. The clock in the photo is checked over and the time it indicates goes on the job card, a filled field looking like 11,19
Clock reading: 1,38
